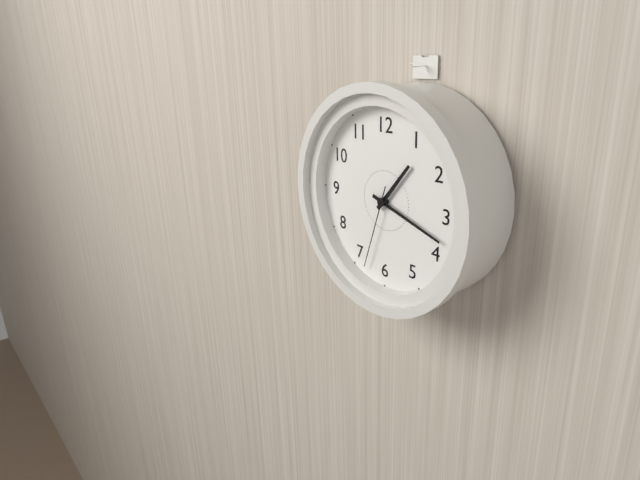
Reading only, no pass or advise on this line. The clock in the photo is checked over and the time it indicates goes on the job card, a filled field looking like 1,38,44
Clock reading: 1,18,33
